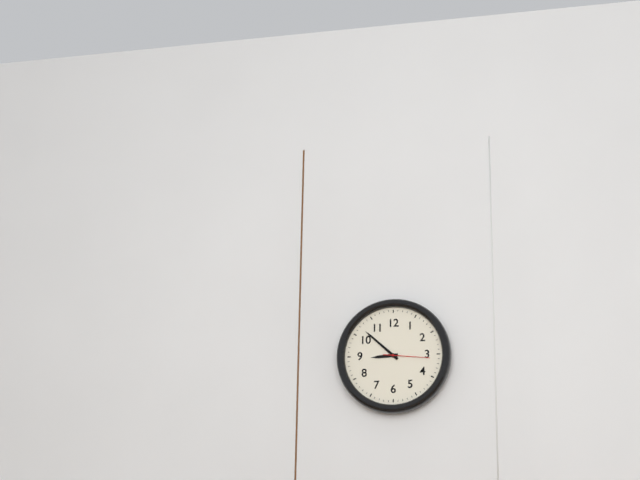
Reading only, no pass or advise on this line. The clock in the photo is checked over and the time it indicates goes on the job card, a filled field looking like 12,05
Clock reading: 8,52
